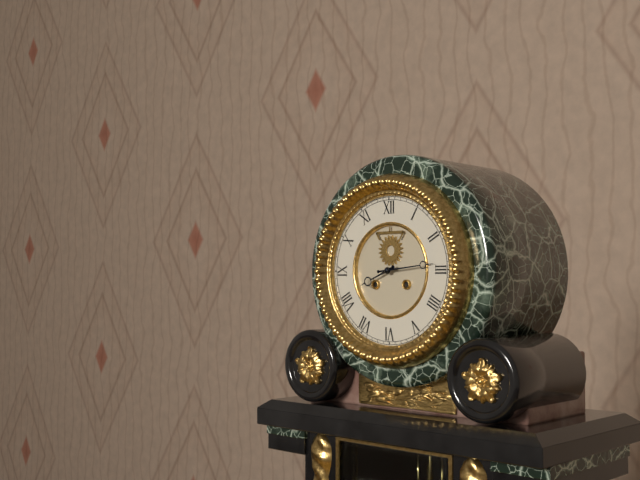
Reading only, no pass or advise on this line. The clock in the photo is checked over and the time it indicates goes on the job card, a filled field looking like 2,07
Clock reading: 8,14
